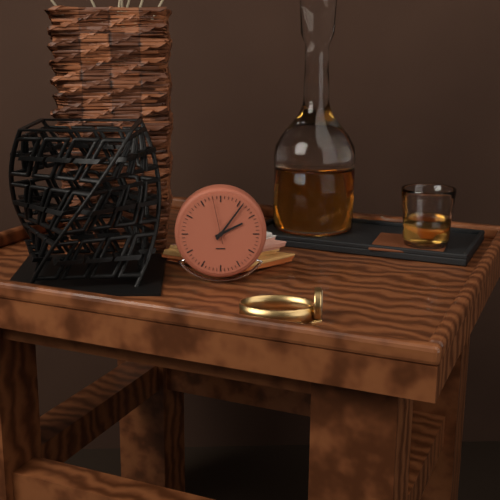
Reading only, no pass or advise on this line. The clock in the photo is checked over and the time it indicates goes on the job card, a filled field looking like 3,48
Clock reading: 2,06
